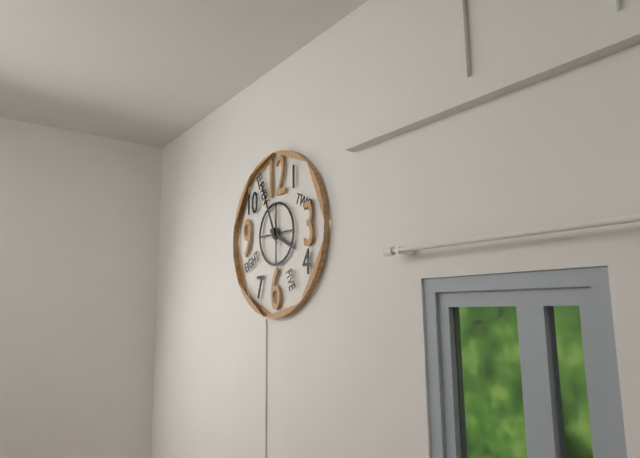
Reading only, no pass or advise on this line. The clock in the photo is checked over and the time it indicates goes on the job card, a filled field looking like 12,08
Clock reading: 3,56
